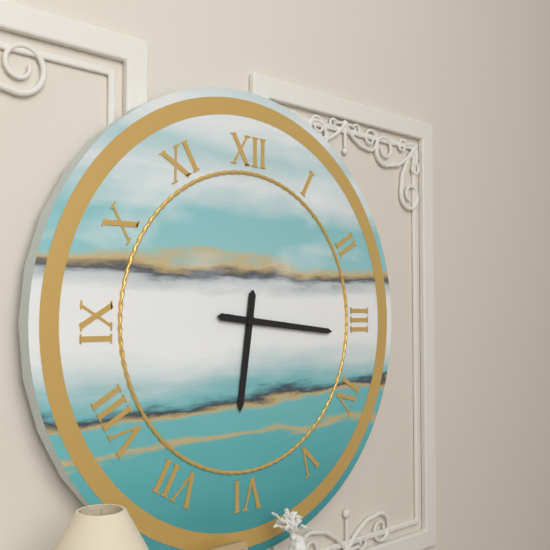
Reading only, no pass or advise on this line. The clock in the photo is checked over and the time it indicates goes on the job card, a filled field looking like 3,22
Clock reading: 6,16
